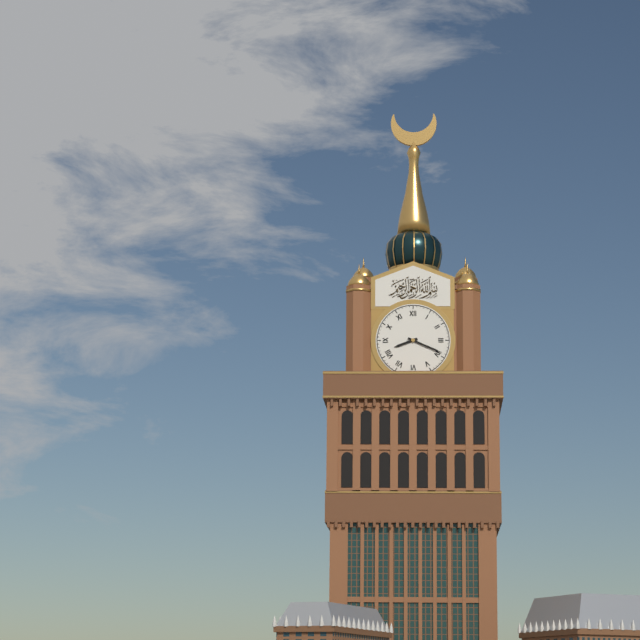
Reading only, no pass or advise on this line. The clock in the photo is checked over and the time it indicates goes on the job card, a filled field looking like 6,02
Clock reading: 8,19
